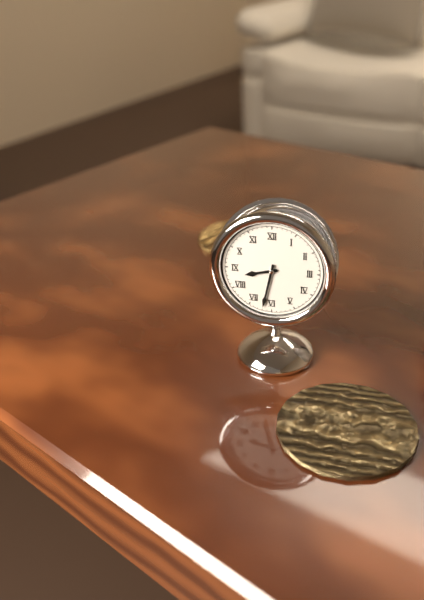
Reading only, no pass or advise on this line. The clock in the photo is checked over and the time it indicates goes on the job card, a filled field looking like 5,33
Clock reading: 8,32
